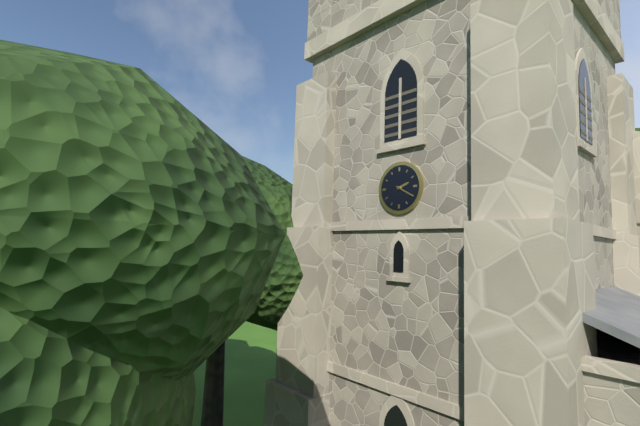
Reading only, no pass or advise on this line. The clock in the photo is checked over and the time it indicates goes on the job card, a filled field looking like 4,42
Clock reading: 2,20
